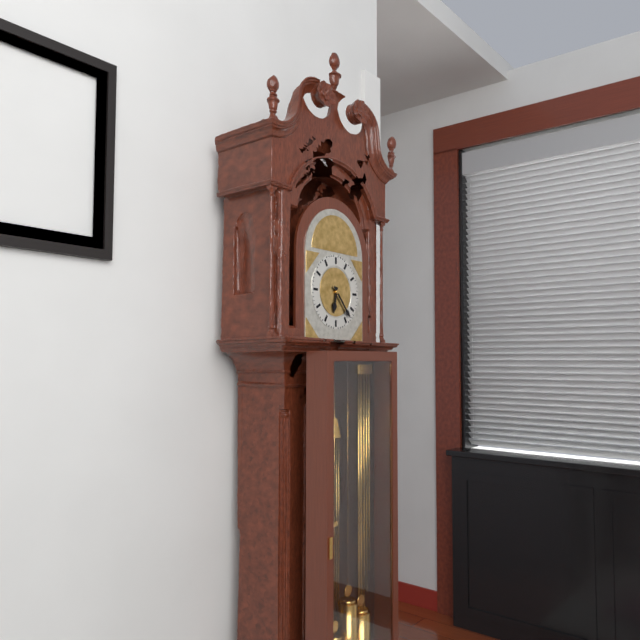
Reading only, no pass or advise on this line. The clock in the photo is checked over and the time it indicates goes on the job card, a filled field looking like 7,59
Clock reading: 6,23
